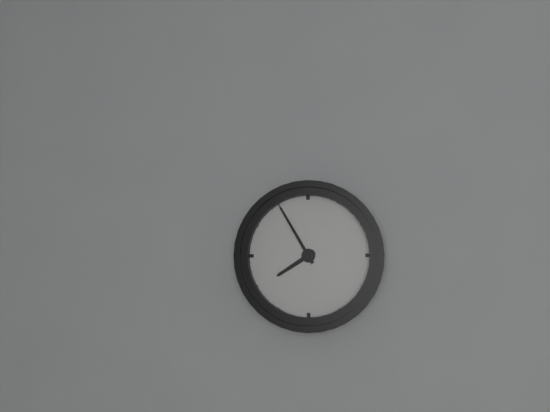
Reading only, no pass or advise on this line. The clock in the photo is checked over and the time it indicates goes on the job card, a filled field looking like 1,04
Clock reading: 7,55
